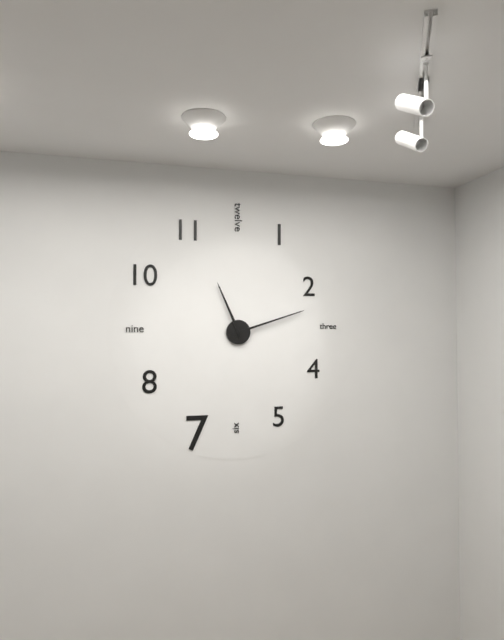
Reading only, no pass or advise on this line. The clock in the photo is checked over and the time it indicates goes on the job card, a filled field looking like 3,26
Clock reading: 11,12
